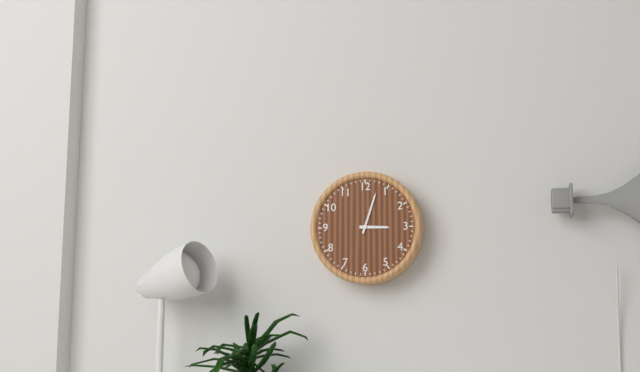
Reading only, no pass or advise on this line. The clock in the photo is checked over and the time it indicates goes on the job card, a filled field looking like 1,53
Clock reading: 3,03
